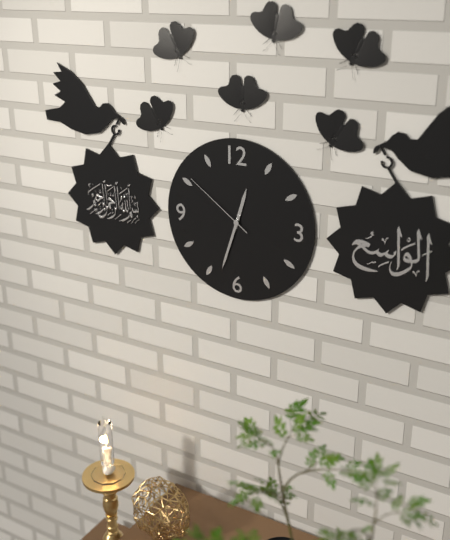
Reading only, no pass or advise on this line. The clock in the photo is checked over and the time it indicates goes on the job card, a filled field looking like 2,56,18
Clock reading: 12,33,51
